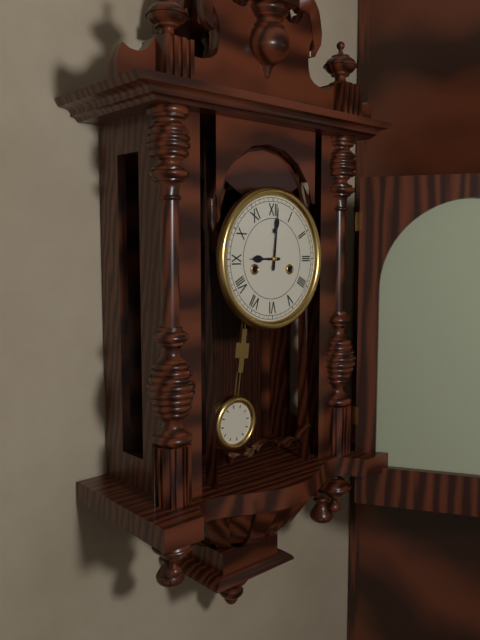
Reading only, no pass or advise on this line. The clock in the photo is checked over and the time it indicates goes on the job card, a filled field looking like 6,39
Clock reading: 9,01
